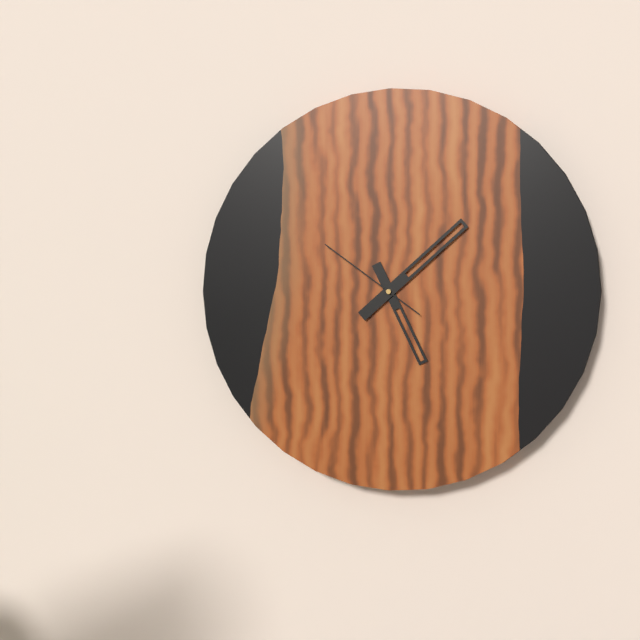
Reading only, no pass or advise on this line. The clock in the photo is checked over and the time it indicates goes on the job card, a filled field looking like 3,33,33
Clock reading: 5,08,51
